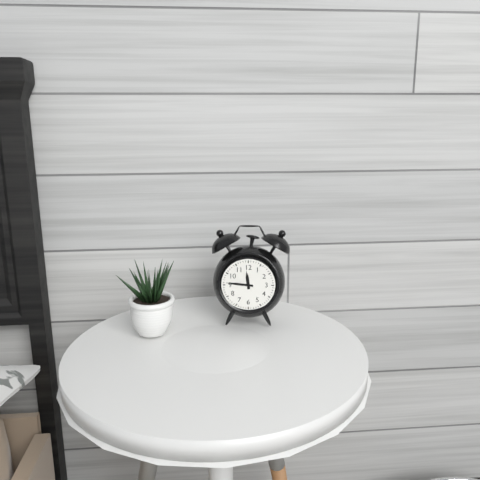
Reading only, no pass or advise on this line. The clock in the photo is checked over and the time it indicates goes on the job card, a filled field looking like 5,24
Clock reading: 11,46
